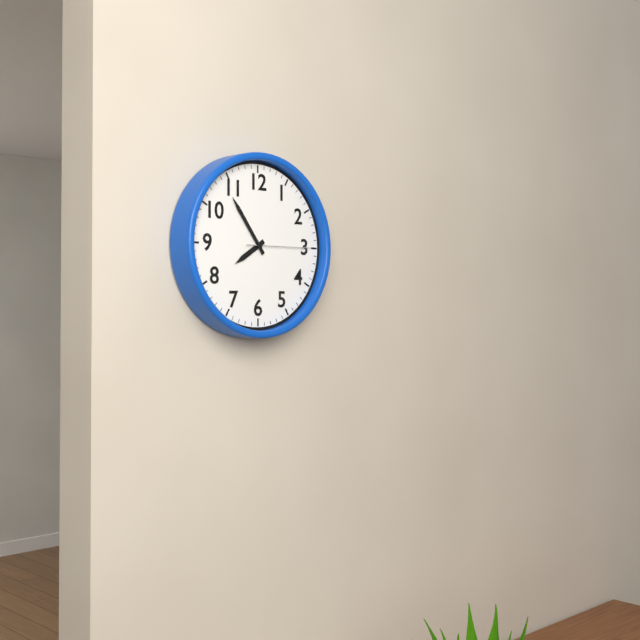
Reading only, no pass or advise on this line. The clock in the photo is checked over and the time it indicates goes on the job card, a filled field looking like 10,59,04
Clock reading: 7,54,15
